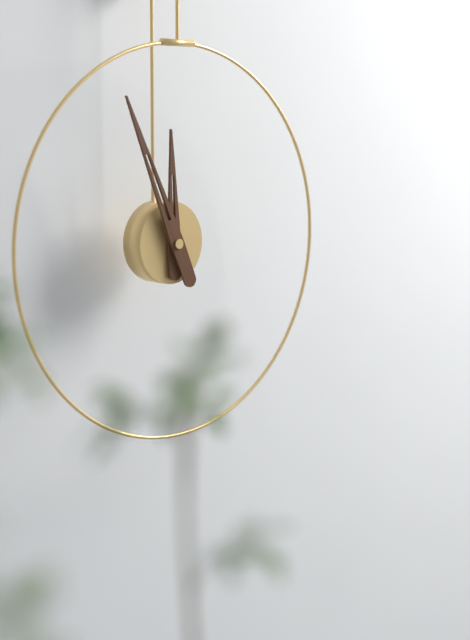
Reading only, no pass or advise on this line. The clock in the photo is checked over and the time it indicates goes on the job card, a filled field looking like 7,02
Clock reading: 11,56
